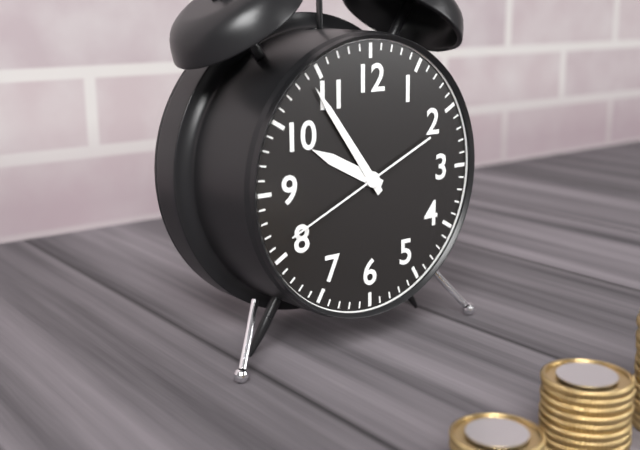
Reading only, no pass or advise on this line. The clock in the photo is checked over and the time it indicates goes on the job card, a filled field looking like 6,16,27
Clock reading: 9,54,41
